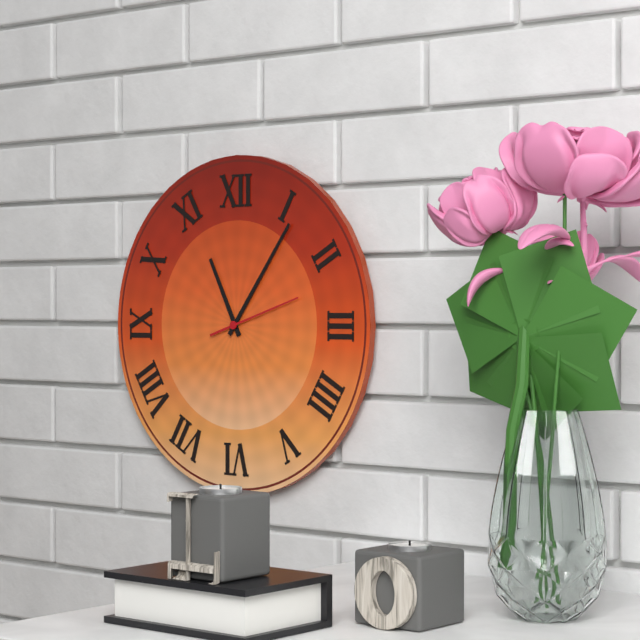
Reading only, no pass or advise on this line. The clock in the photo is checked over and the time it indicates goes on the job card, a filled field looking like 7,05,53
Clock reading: 11,06,12
